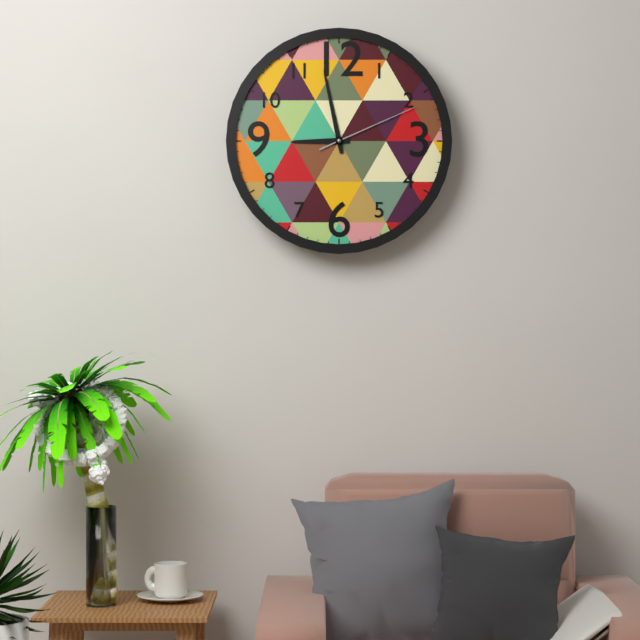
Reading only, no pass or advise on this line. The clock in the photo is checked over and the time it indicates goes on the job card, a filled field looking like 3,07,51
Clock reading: 8,58,11
